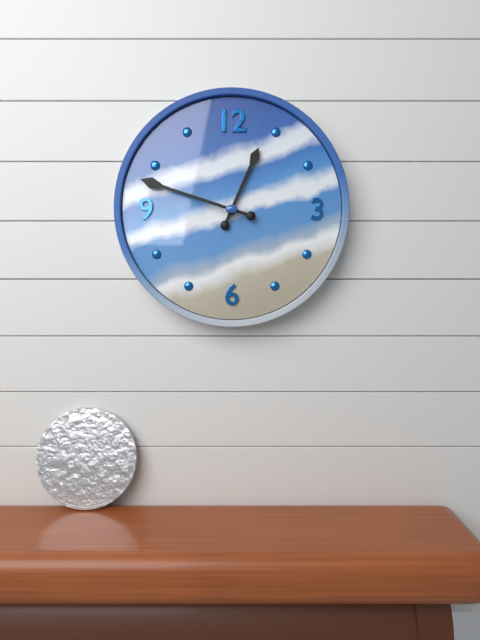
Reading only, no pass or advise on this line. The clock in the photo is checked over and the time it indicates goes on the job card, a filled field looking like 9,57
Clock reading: 12,48
